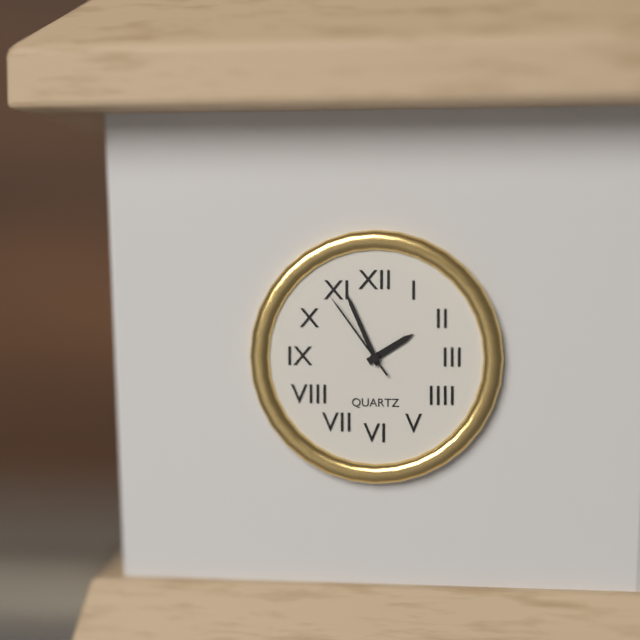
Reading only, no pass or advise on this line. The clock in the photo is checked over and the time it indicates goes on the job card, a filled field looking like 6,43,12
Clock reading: 1,56,54
